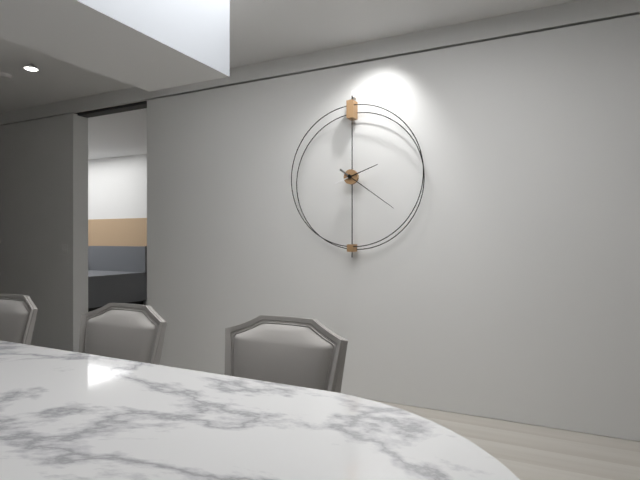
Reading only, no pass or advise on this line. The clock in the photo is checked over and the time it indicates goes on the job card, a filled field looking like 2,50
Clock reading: 2,21
